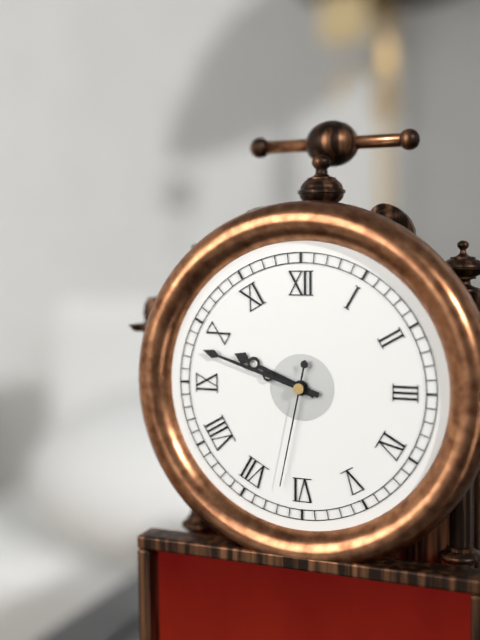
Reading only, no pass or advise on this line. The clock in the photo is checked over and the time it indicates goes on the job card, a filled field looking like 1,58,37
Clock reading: 9,48,32
